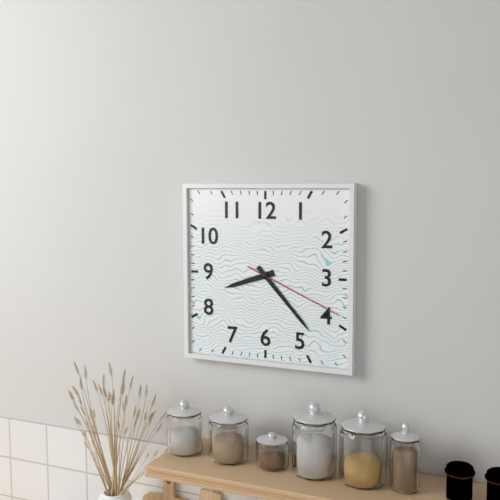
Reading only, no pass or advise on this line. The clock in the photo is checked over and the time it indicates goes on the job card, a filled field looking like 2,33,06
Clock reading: 8,23,19
